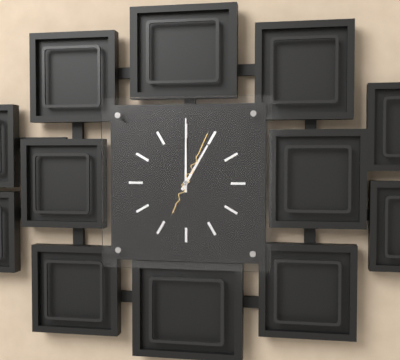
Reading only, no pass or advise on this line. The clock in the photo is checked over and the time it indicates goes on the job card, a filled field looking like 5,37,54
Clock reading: 1,00,04
